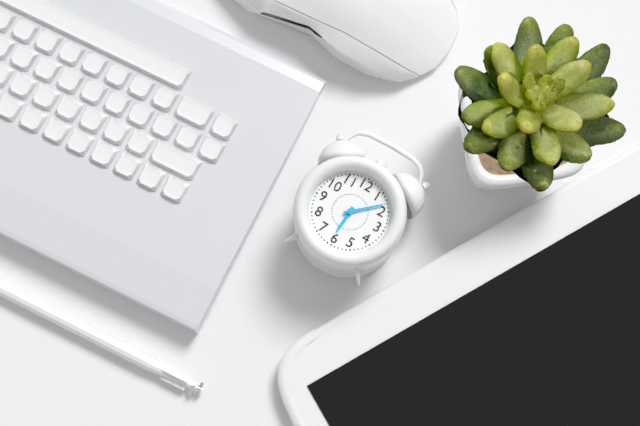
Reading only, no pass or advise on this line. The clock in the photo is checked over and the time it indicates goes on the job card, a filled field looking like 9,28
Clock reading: 6,08
